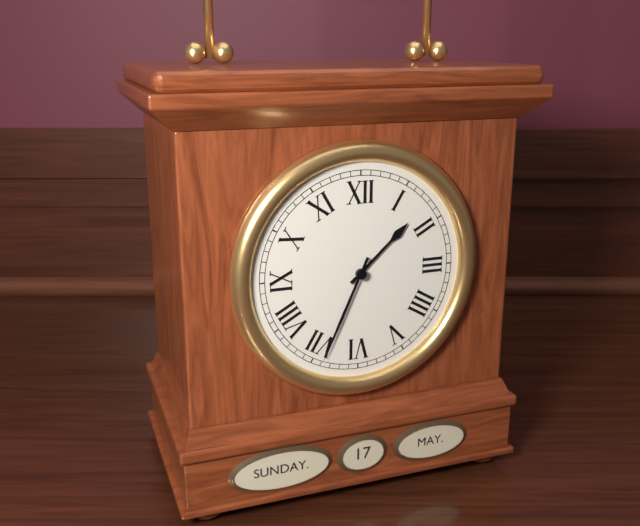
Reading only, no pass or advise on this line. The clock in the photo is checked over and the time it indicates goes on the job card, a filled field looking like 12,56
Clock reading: 1,34
